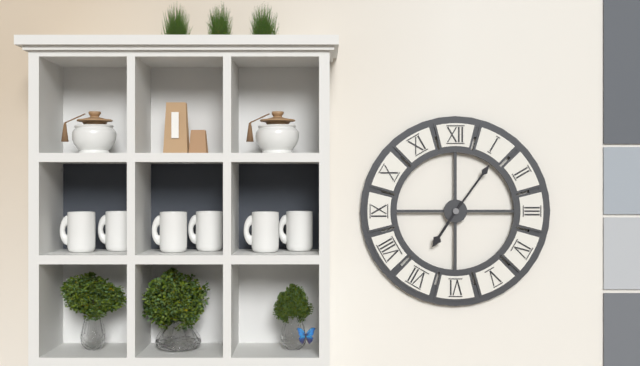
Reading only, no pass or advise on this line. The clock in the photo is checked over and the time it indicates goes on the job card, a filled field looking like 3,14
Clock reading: 7,06
